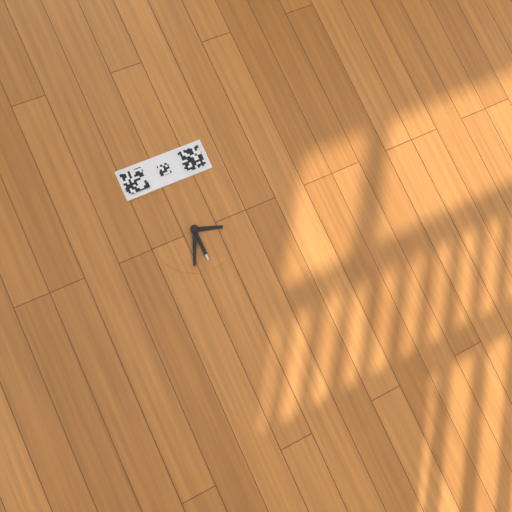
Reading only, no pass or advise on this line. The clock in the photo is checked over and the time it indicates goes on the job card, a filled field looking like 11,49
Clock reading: 3,34
